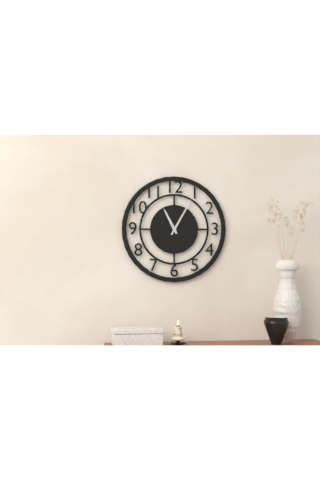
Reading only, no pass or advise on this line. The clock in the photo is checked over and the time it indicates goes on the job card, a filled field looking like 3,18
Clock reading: 11,05
